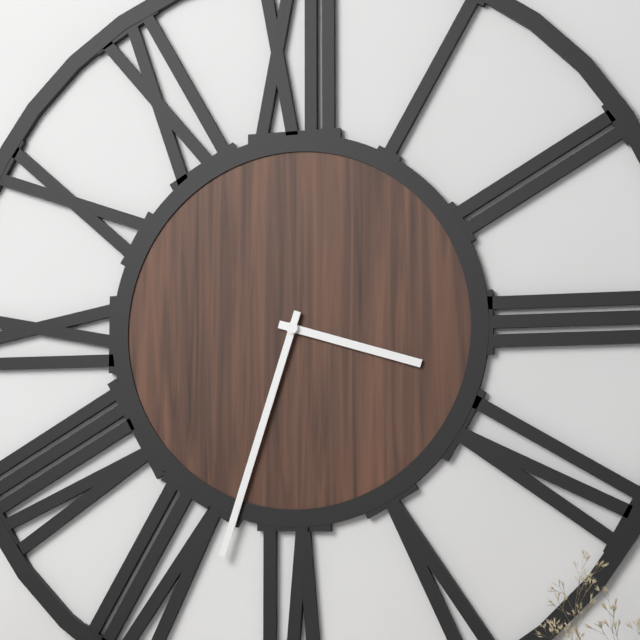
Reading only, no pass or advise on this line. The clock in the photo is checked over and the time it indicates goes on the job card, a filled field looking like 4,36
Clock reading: 3,33
